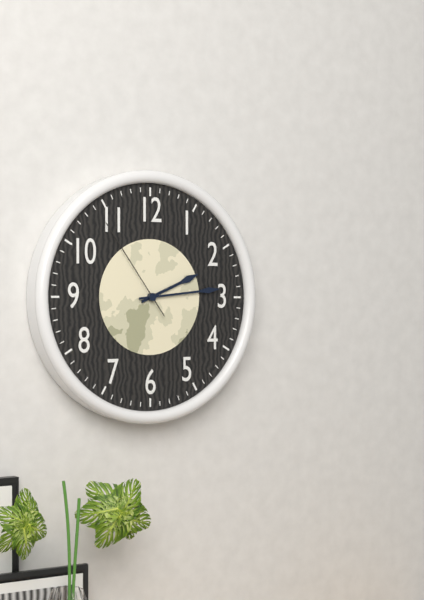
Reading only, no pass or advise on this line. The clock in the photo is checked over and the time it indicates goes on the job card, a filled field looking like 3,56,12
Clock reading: 2,14,54
